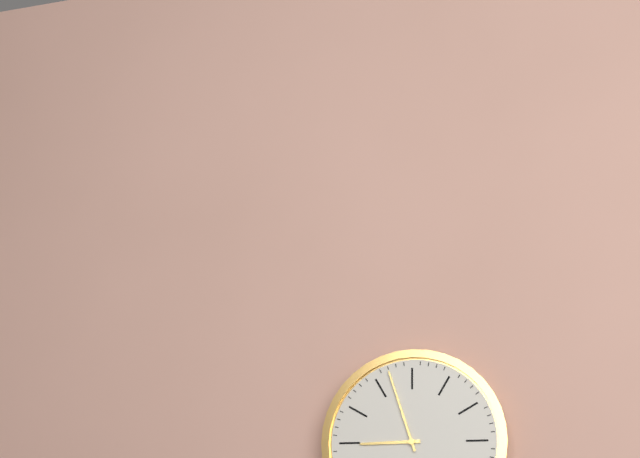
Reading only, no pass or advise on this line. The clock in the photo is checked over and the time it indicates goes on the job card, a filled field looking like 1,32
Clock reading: 8,57
